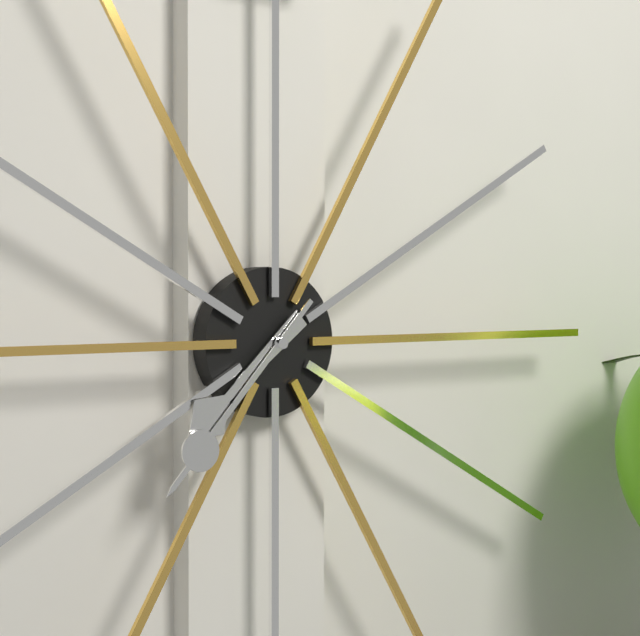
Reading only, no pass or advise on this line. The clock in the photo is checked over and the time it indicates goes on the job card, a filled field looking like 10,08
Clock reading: 7,37
